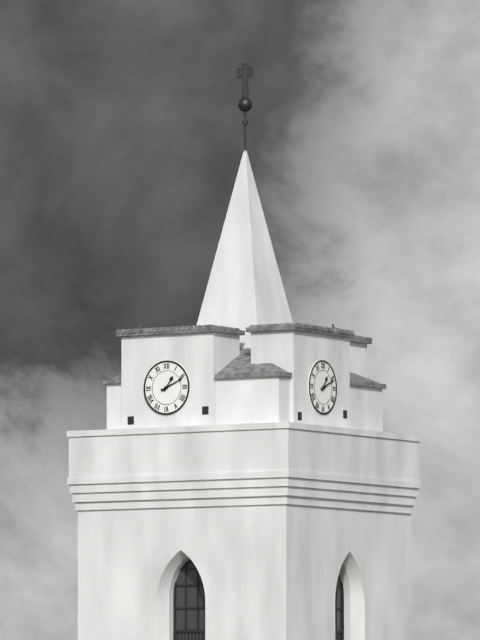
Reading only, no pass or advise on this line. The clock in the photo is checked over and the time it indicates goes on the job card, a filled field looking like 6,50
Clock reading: 1,11
